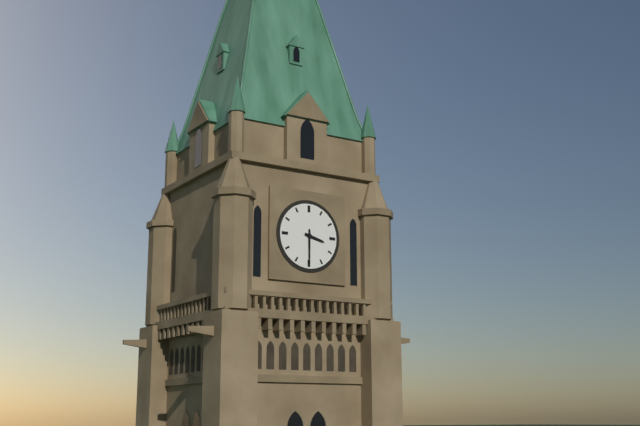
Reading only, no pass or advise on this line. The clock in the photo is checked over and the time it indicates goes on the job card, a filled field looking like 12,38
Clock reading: 3,30
